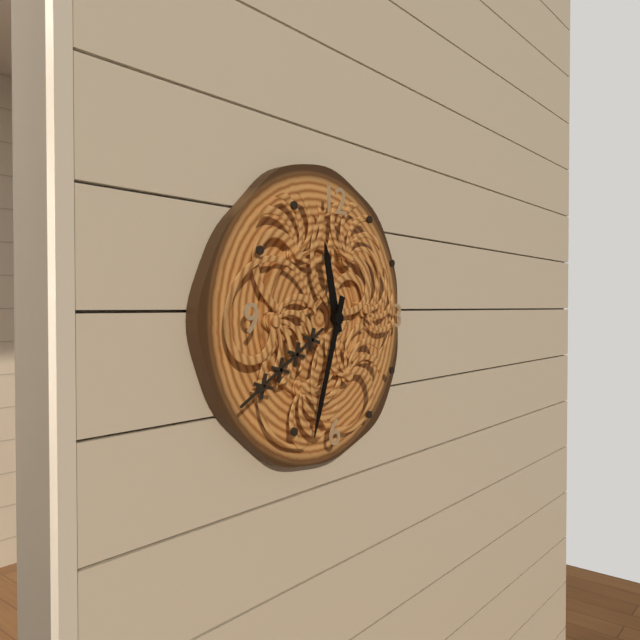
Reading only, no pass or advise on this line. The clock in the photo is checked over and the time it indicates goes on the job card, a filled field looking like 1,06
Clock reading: 11,33
